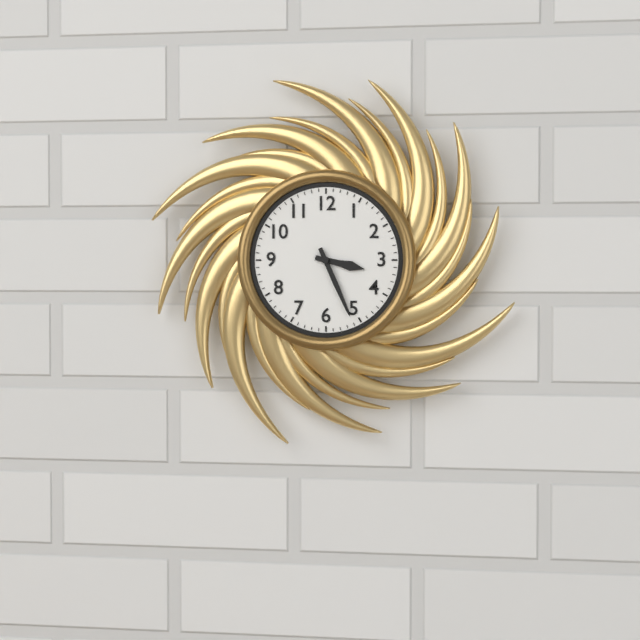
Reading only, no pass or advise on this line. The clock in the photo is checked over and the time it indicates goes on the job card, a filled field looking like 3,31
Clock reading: 3,26
